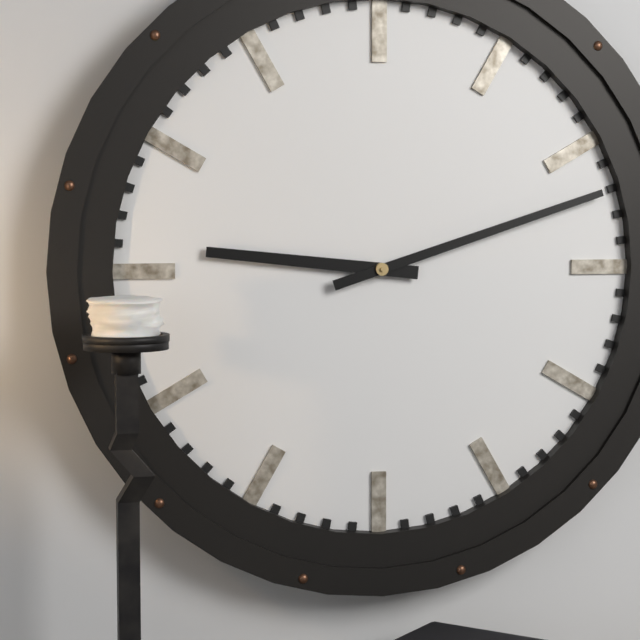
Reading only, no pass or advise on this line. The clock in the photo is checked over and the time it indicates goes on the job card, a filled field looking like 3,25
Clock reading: 9,12
